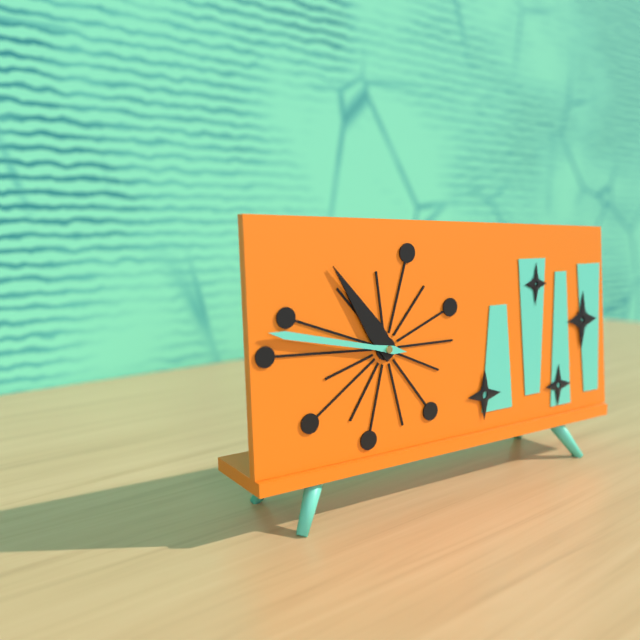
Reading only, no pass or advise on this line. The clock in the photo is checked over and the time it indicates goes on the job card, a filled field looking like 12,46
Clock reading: 10,47
